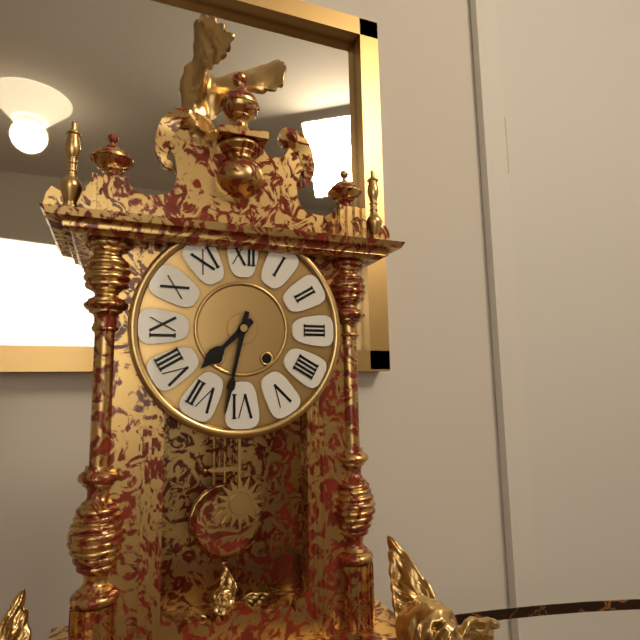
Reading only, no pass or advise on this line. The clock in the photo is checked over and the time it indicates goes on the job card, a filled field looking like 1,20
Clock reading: 7,32
